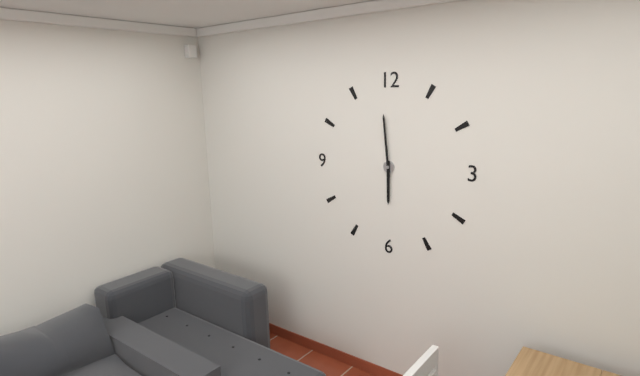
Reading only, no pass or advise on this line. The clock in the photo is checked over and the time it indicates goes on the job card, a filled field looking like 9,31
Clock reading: 5,59
